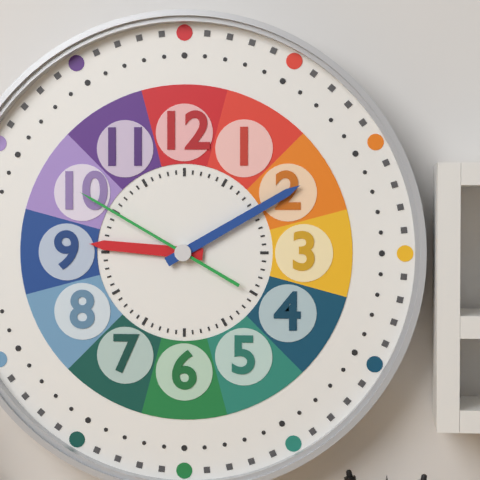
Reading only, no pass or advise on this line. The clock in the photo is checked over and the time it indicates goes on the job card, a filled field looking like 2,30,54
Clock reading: 9,10,50
